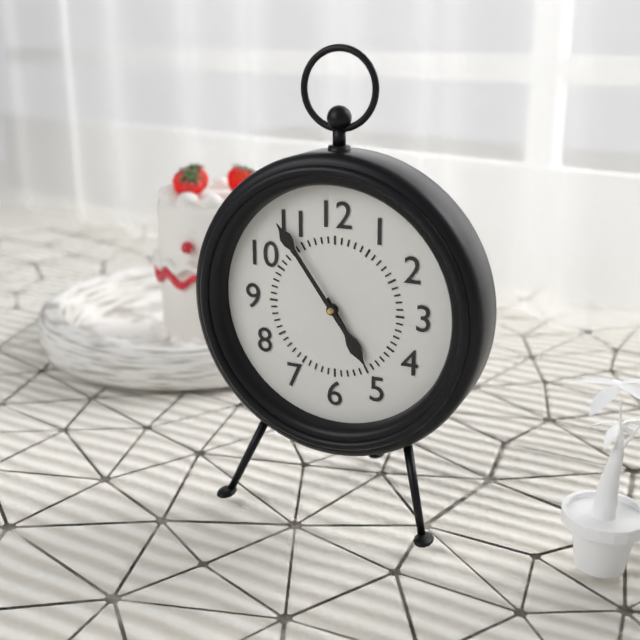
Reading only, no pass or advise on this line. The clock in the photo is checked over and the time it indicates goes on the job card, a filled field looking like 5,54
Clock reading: 4,54
